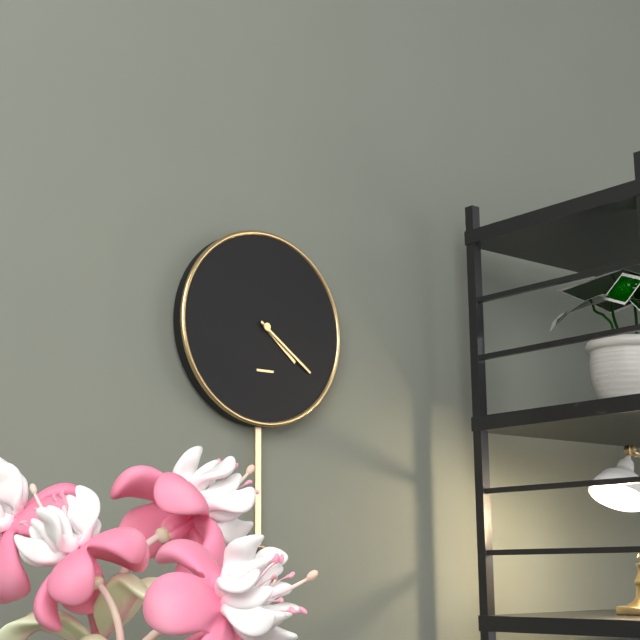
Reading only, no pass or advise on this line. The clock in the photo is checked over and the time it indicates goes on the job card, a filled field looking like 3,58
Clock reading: 4,21
